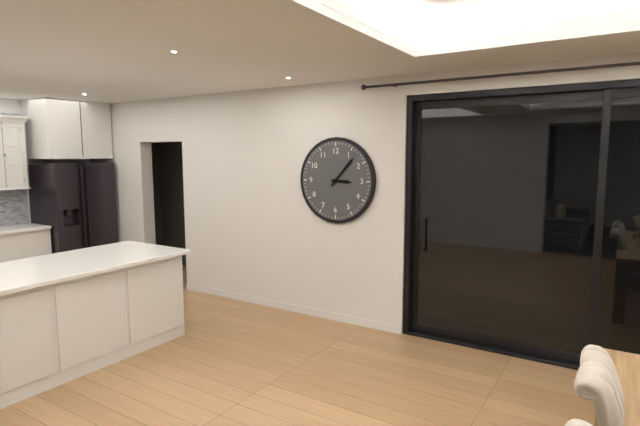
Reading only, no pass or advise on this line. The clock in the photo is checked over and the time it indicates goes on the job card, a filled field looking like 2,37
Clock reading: 3,07
